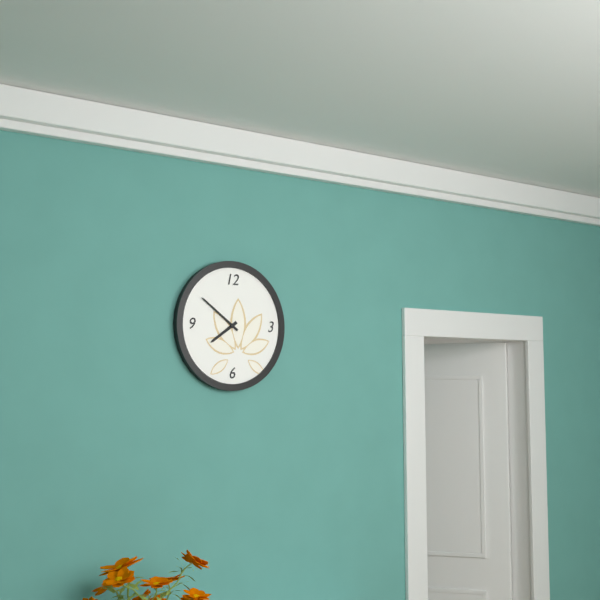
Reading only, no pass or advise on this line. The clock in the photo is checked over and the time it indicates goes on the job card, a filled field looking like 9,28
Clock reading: 7,51
